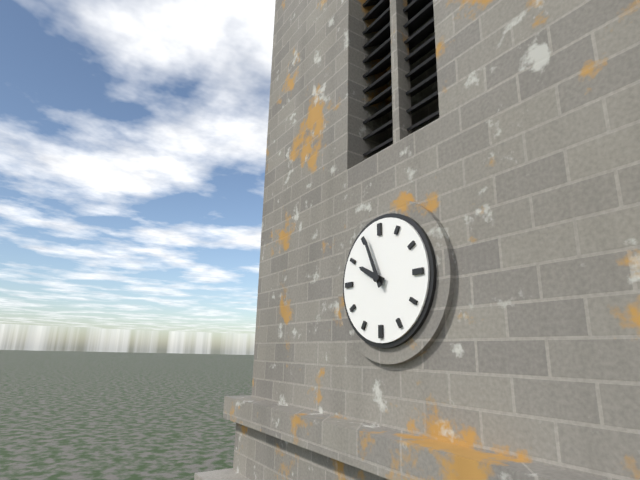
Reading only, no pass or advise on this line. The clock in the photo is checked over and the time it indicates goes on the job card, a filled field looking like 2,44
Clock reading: 9,56
